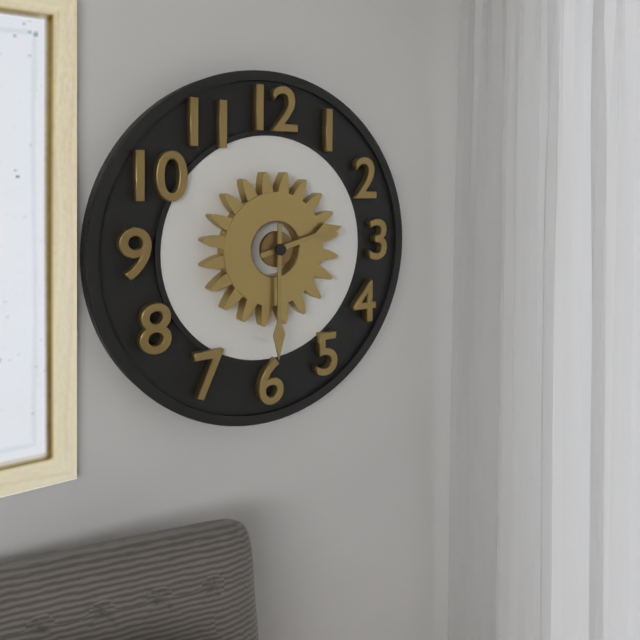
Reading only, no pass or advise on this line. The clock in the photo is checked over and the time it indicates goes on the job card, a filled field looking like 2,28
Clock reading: 2,30
